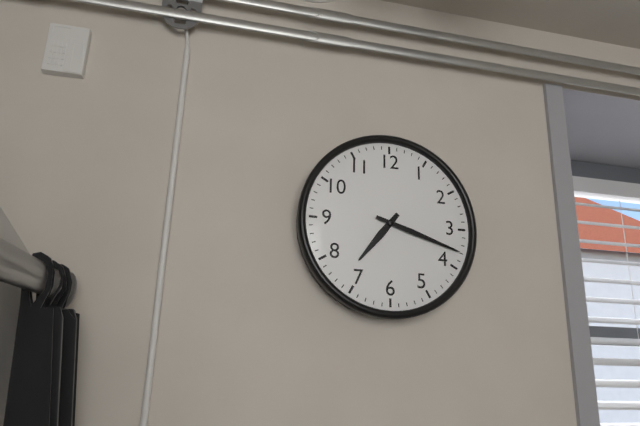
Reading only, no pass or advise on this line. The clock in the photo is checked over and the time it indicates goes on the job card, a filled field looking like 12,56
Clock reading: 7,18
